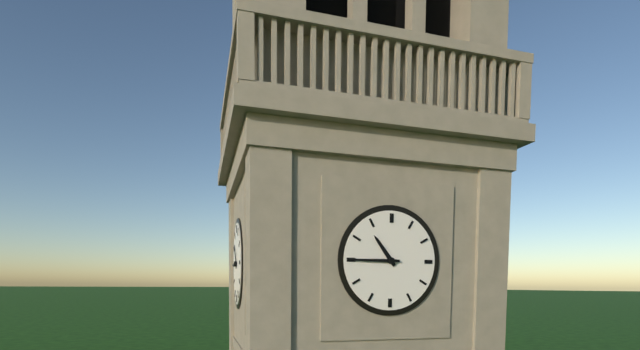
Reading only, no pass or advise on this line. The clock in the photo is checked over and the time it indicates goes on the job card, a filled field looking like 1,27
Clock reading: 10,45
